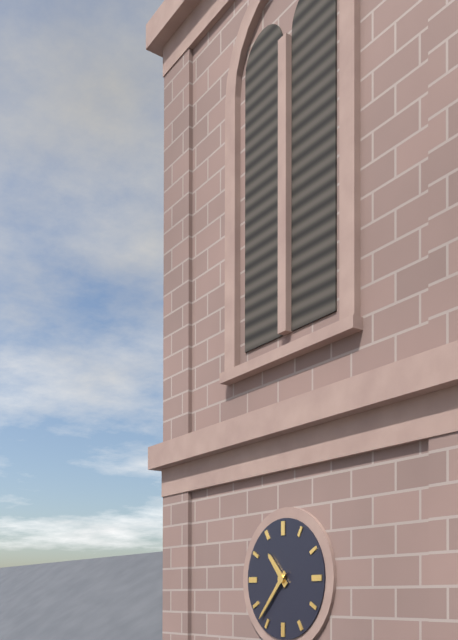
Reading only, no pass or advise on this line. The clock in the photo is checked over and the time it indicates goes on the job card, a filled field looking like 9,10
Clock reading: 10,37
